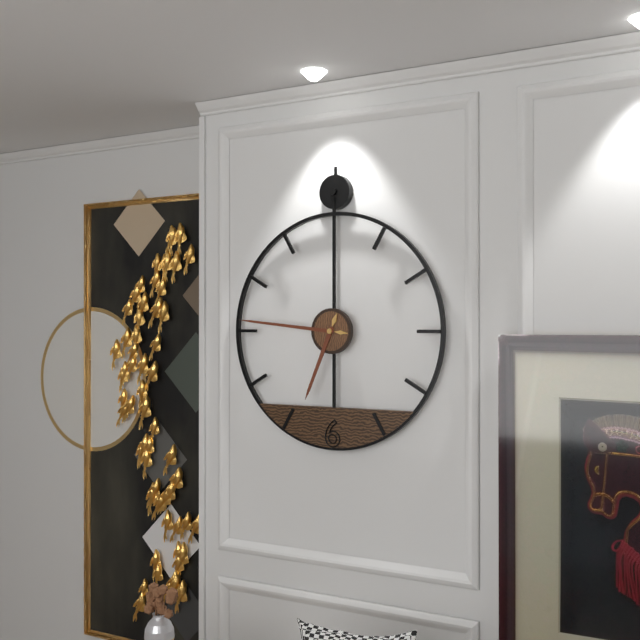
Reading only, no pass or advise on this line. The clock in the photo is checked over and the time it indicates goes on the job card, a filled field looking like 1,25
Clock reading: 6,46
